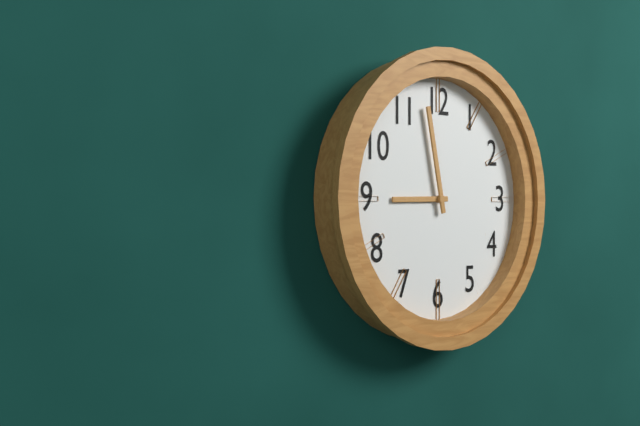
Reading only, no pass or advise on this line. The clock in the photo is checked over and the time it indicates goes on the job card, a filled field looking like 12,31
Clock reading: 8,58
